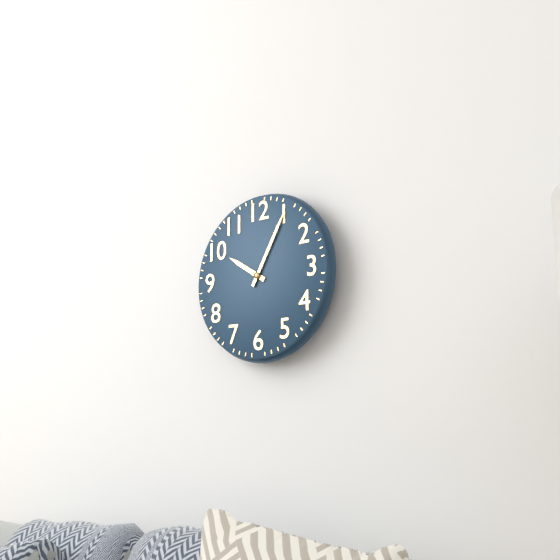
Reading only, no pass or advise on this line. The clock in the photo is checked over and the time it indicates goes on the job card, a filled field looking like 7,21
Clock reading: 10,05
